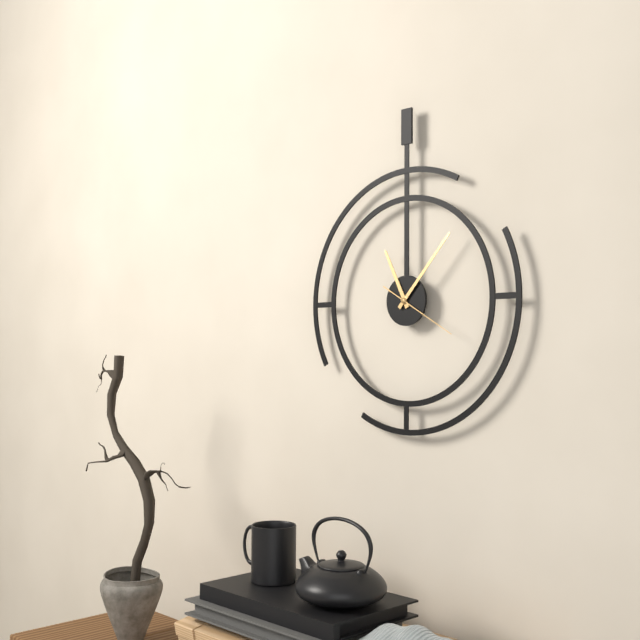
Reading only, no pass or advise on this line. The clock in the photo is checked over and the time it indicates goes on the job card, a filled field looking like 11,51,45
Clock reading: 11,07,20
